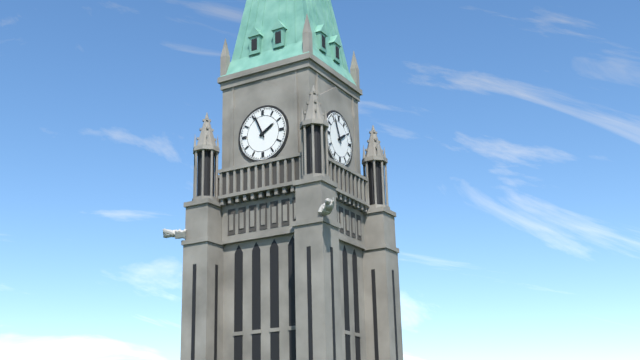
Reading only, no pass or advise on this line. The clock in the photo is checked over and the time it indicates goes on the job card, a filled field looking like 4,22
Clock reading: 1,56
